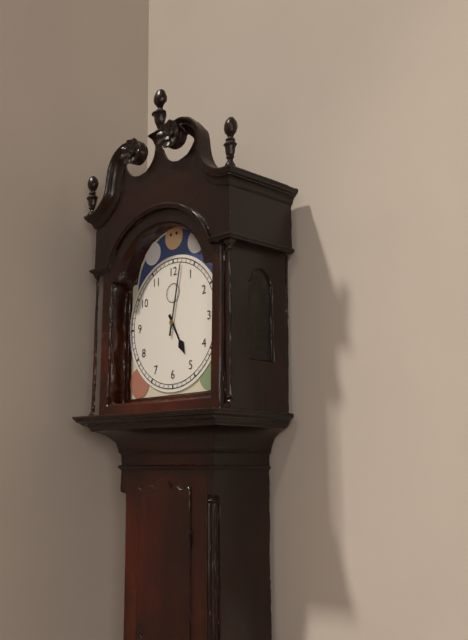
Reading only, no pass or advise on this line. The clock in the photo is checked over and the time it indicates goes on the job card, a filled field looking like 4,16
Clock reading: 5,02
